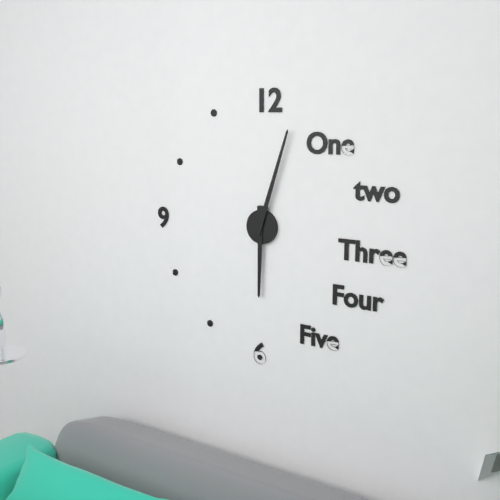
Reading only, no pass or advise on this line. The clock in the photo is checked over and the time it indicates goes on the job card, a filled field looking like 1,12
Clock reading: 6,03
